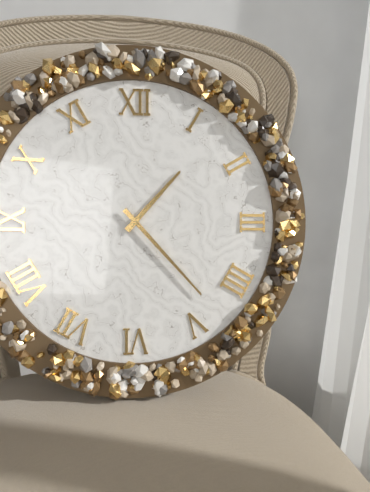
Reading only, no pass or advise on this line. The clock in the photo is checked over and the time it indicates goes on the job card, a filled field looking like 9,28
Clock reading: 1,23
